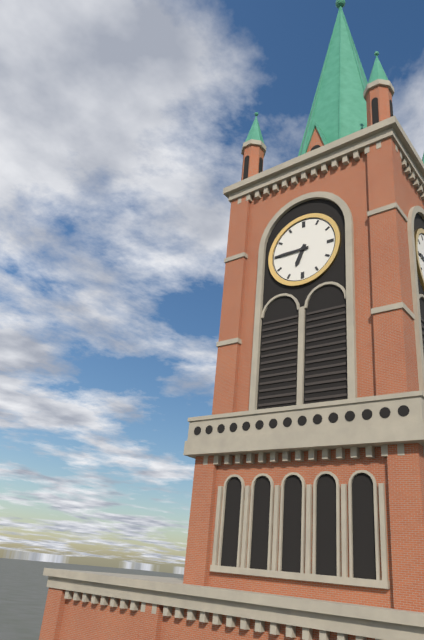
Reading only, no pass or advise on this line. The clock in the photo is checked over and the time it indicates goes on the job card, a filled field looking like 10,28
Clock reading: 6,45
